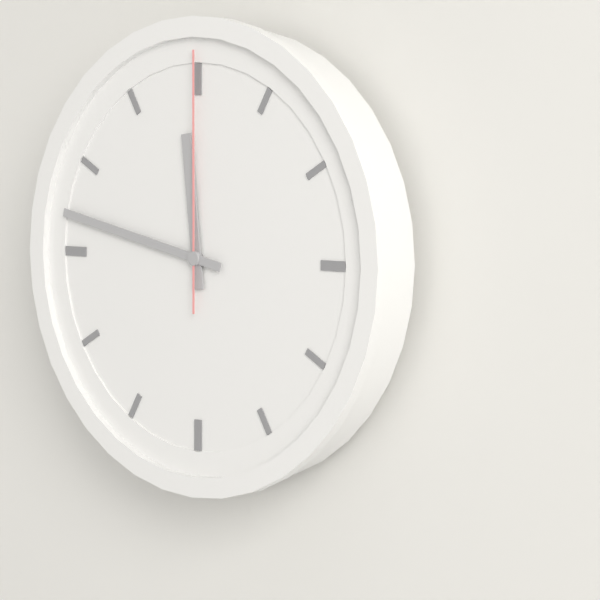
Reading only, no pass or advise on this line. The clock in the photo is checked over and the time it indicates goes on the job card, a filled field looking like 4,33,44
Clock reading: 11,47,00
